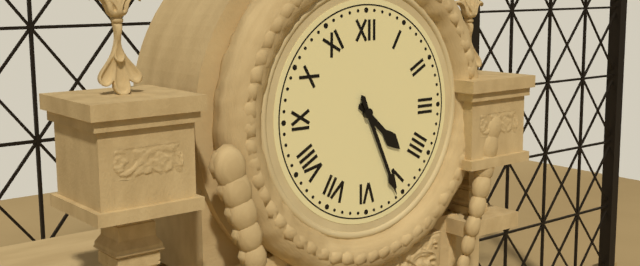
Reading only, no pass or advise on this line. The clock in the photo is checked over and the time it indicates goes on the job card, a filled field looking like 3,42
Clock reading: 4,26
